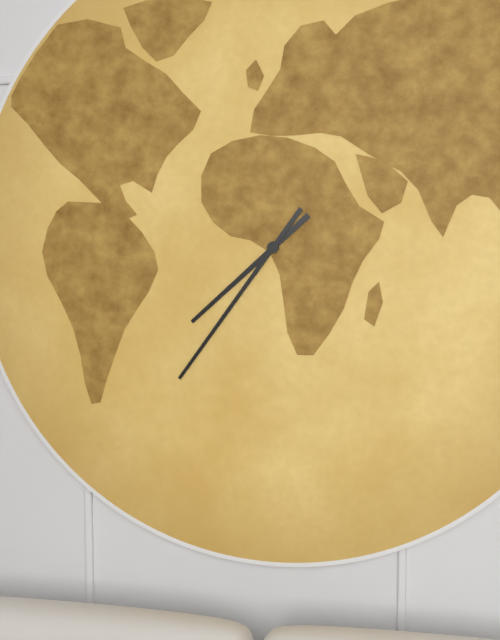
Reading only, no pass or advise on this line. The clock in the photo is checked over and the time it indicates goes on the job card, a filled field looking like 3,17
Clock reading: 7,36
